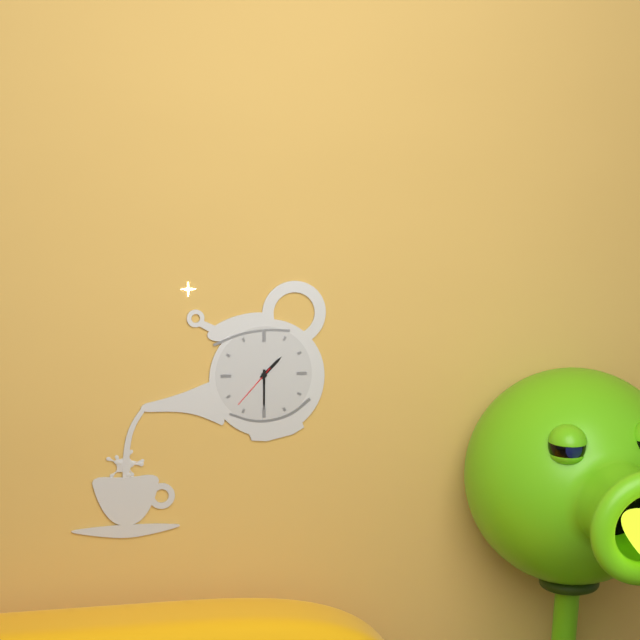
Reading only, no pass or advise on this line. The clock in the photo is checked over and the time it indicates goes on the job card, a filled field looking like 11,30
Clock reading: 1,30
